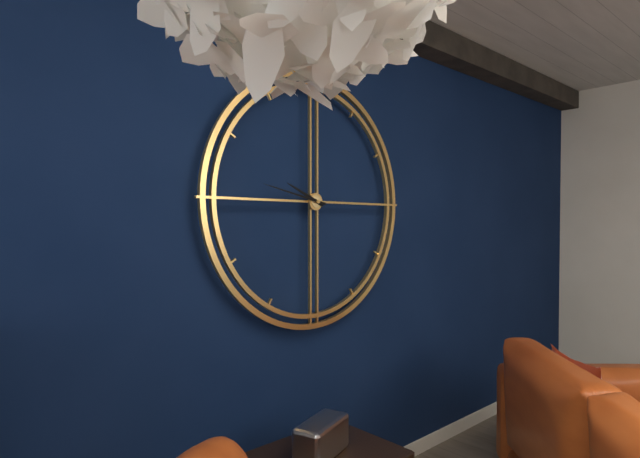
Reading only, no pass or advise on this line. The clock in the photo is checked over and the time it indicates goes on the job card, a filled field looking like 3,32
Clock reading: 9,47
